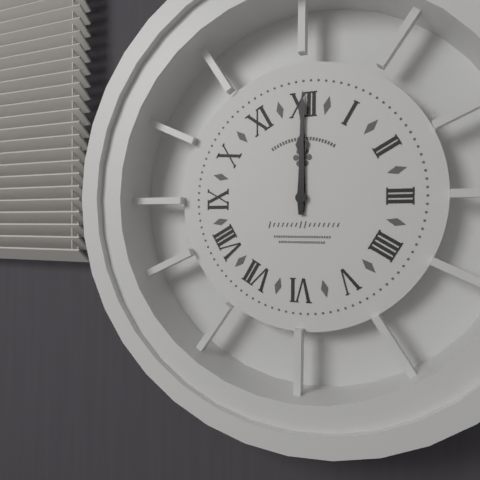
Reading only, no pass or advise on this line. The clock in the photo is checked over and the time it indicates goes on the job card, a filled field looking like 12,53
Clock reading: 12,00
